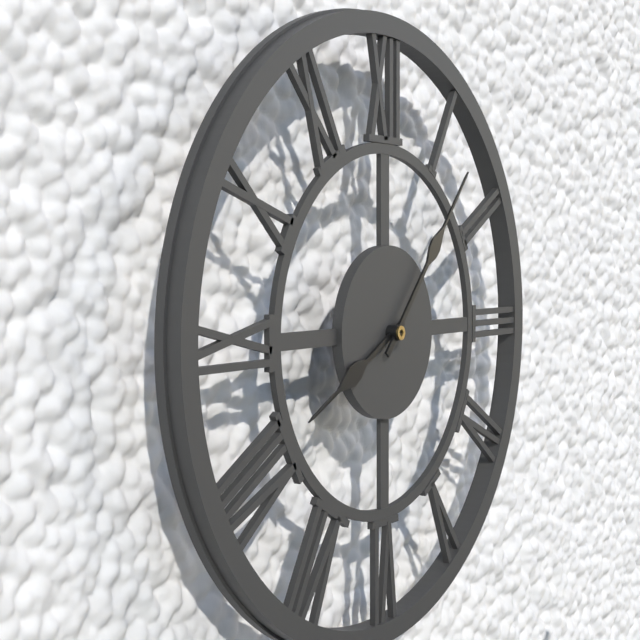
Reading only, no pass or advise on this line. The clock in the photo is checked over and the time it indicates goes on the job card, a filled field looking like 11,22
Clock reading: 8,07
